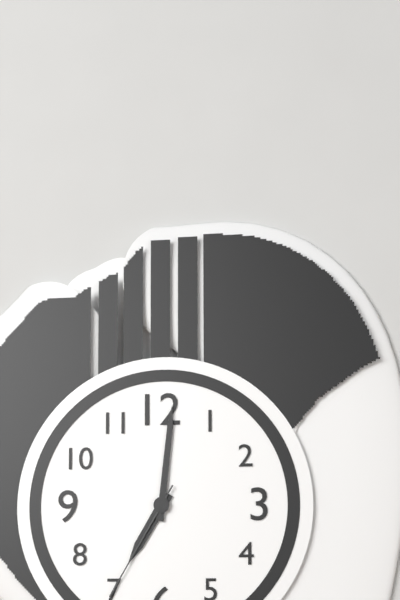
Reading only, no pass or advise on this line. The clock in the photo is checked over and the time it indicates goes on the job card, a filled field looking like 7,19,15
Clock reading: 7,01,35
